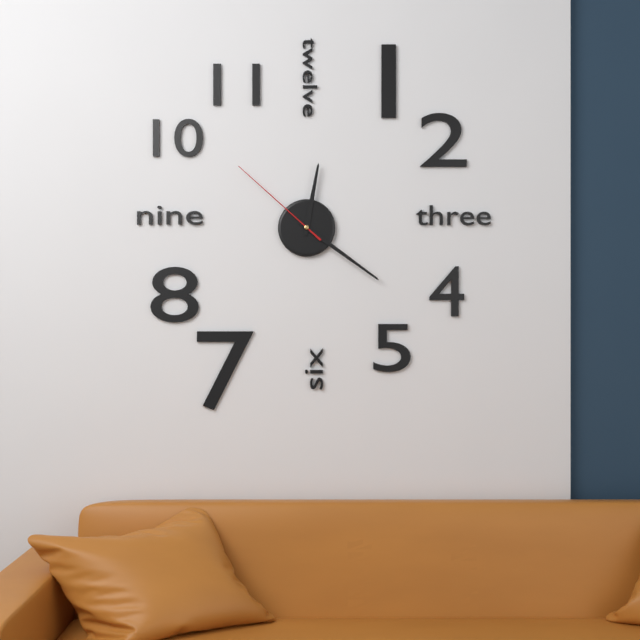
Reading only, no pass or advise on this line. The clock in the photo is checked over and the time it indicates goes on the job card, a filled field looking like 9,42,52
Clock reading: 12,21,52
